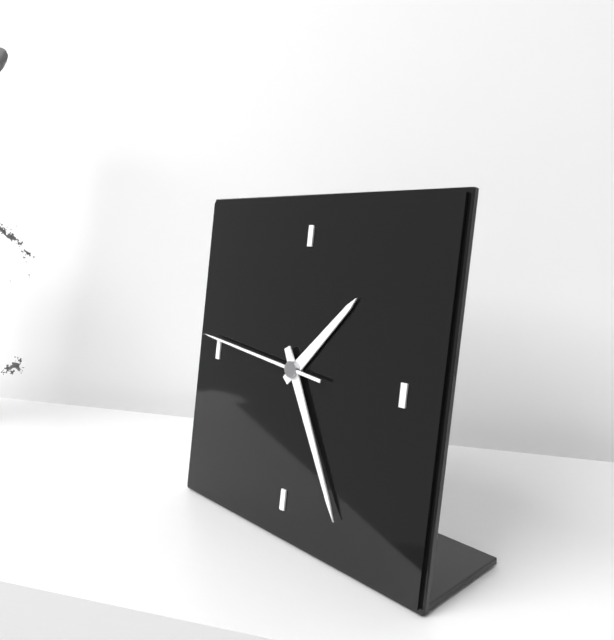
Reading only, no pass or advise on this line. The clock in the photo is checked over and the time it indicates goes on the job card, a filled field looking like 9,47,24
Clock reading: 1,25,46
